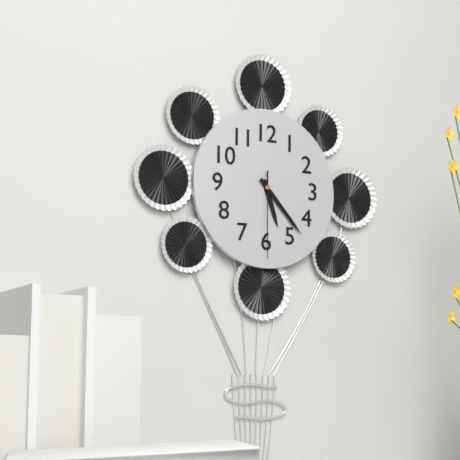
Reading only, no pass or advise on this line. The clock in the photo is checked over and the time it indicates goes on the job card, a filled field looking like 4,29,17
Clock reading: 5,23,30
